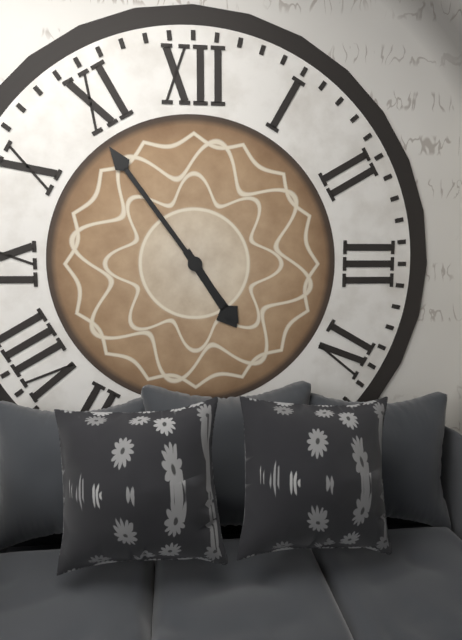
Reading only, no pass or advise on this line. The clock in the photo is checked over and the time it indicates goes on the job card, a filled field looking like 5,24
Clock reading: 4,54
